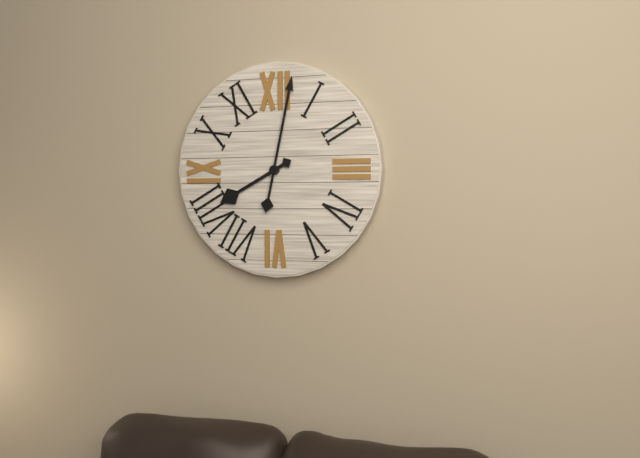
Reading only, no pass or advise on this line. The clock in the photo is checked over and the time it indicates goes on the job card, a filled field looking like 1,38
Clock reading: 8,02
